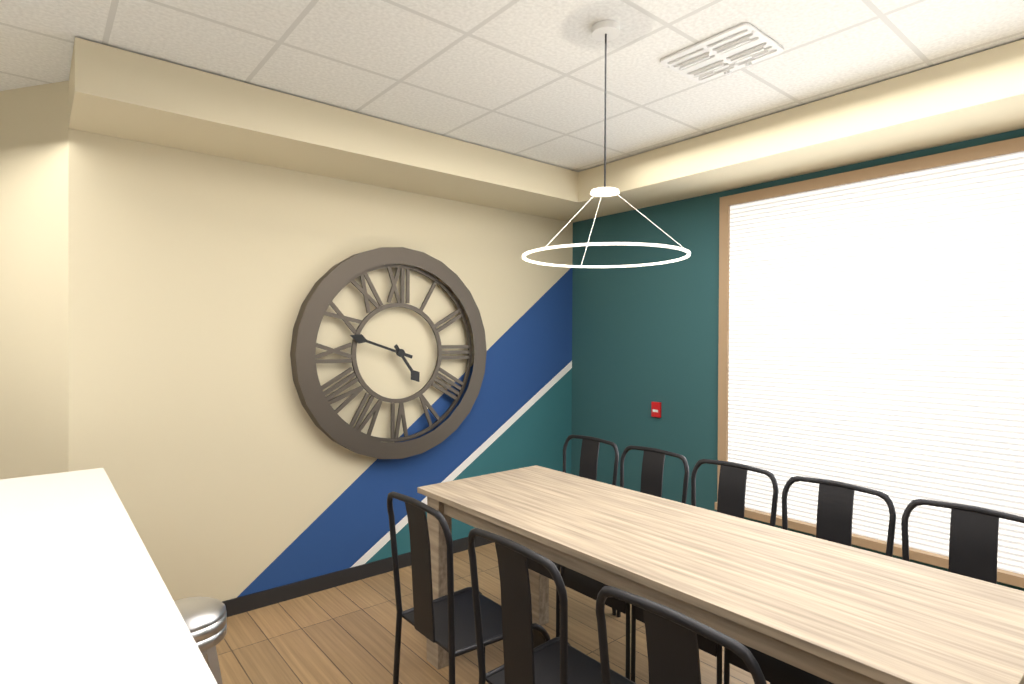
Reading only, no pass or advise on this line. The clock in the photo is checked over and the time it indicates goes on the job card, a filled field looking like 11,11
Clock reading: 4,48
